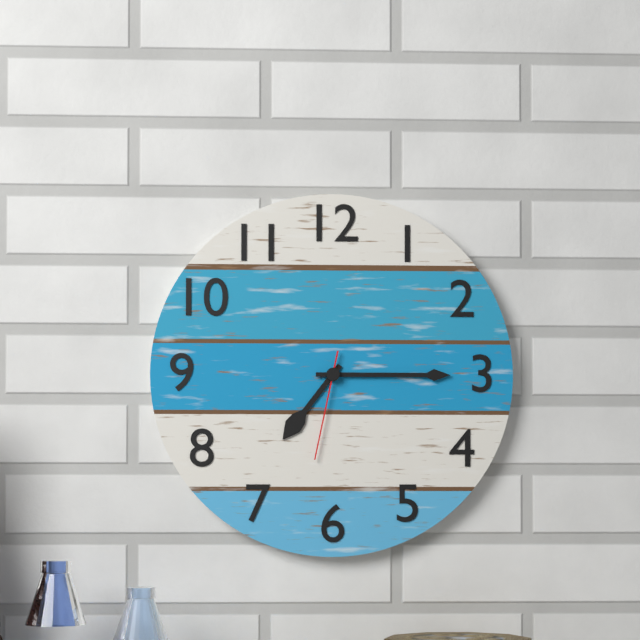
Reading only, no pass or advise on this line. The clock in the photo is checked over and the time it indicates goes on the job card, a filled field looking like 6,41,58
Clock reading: 7,15,32
